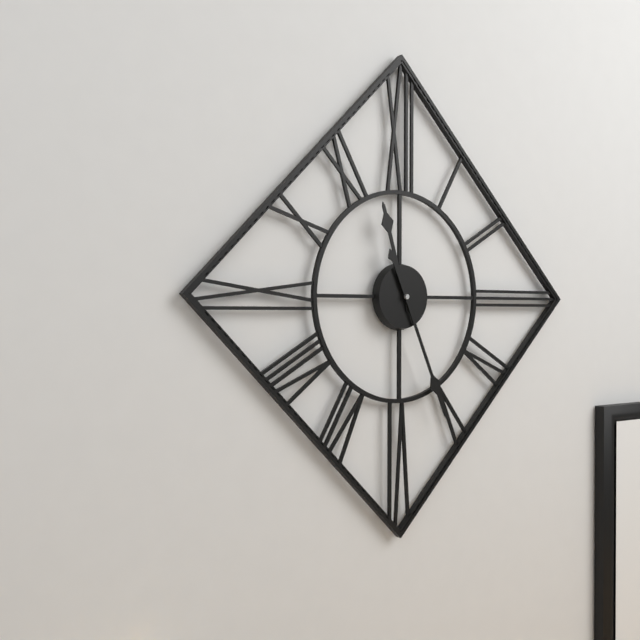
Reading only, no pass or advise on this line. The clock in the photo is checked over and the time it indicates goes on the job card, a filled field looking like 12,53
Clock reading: 11,26
